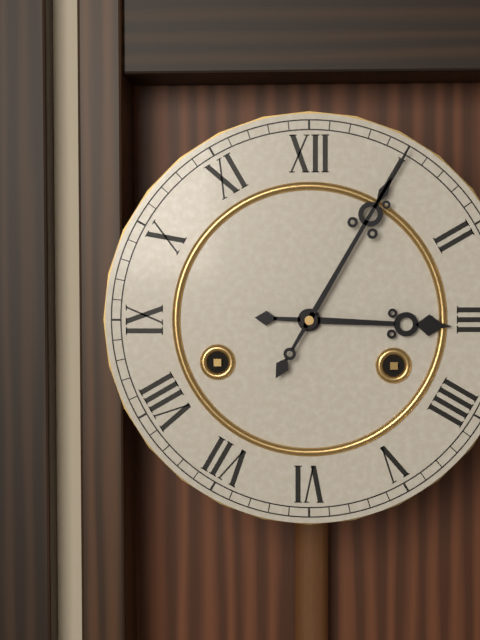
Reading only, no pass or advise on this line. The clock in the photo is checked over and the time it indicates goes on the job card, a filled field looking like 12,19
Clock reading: 3,05
